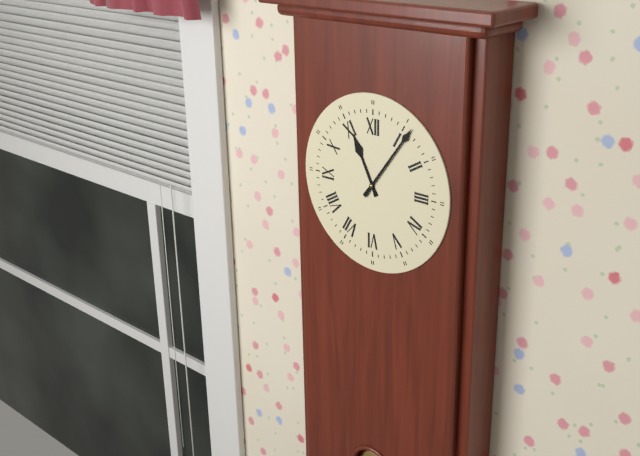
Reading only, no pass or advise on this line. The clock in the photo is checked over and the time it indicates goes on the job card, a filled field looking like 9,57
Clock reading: 11,06
